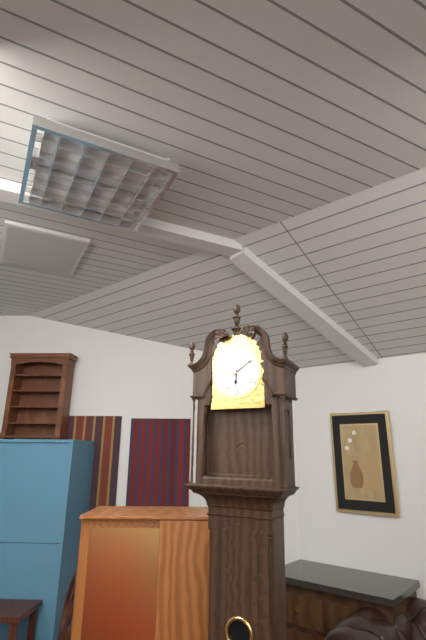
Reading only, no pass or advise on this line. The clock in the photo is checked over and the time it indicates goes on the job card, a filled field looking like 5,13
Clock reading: 6,09
